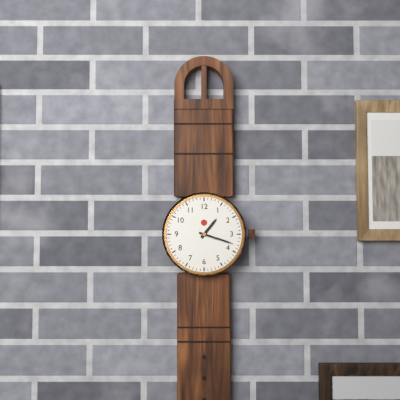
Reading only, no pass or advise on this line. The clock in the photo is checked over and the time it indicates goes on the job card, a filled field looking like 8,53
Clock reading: 1,18
